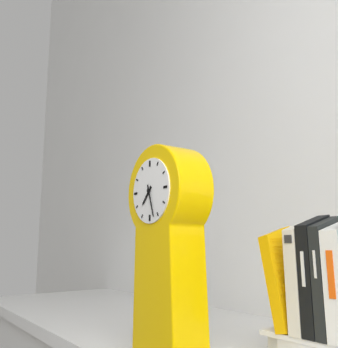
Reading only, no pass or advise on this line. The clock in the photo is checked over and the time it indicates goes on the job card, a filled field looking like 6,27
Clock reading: 7,27
